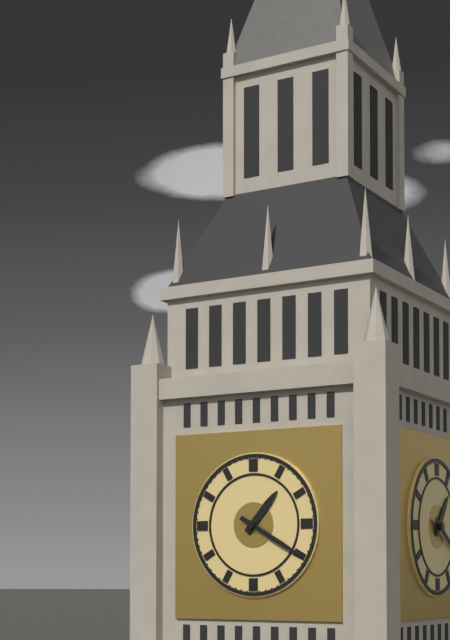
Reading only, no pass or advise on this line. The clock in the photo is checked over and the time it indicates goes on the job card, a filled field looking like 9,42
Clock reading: 1,20
